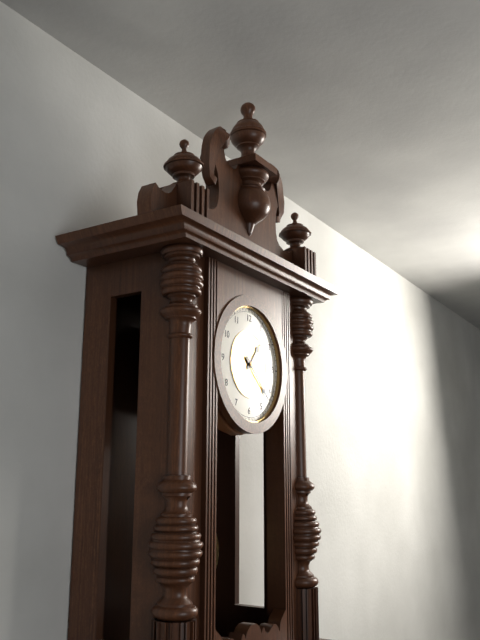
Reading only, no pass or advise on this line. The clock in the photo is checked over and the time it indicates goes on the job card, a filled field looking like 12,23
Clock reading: 1,22
